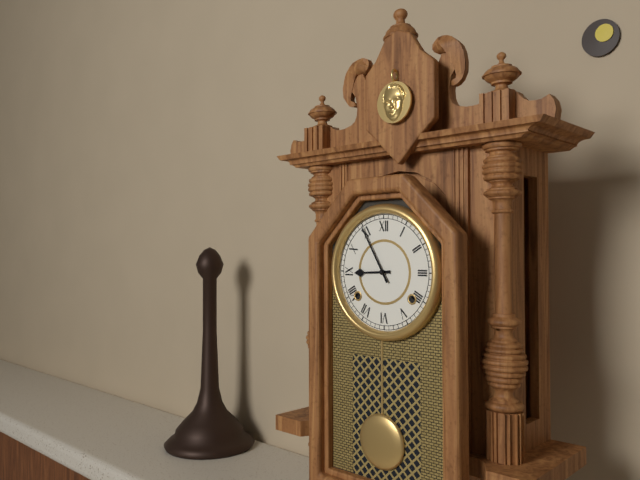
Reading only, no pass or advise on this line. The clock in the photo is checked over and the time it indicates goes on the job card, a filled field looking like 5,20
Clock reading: 8,55
